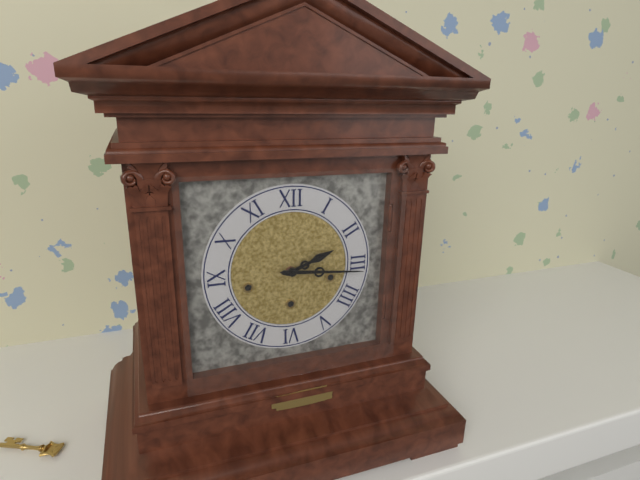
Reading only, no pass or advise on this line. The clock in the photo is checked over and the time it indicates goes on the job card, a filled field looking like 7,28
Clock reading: 2,16
